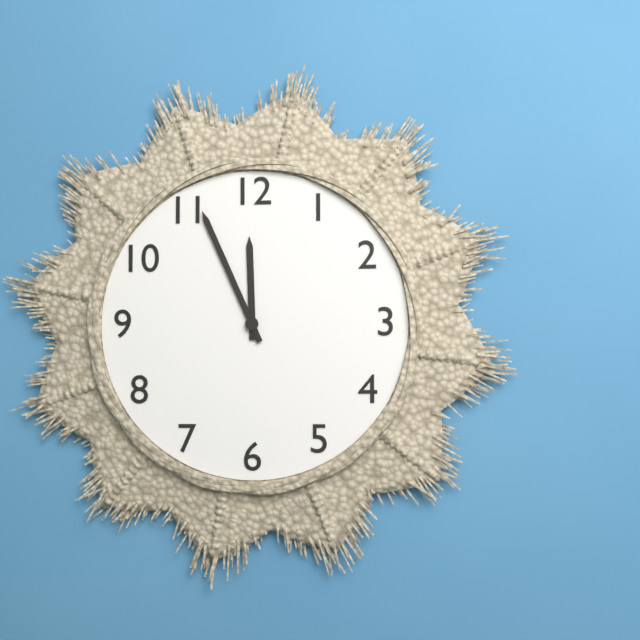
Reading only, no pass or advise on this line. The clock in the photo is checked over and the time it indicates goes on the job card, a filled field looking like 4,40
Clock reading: 11,56
